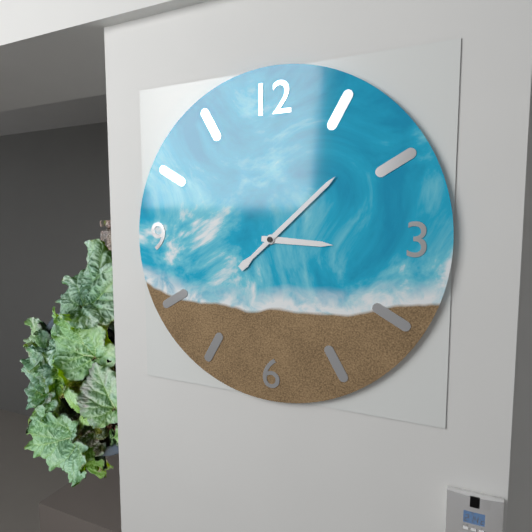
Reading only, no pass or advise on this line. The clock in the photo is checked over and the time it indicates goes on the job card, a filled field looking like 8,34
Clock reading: 3,08
